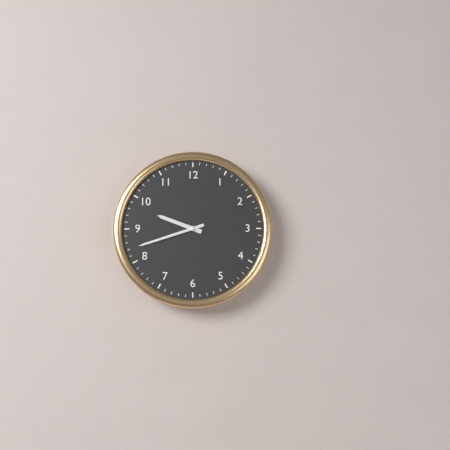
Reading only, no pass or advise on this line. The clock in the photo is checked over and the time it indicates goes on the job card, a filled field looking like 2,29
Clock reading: 9,42
